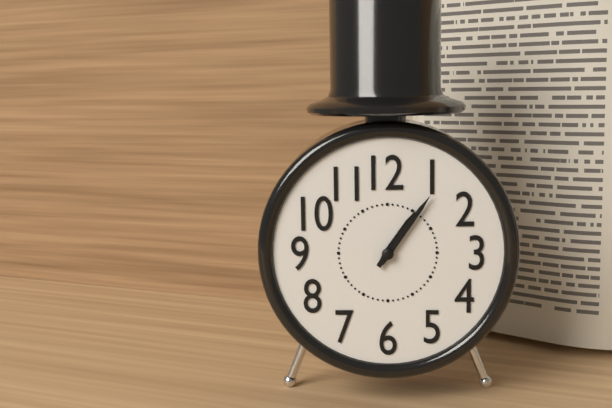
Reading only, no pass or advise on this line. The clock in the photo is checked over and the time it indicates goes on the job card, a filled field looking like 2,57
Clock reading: 1,06
